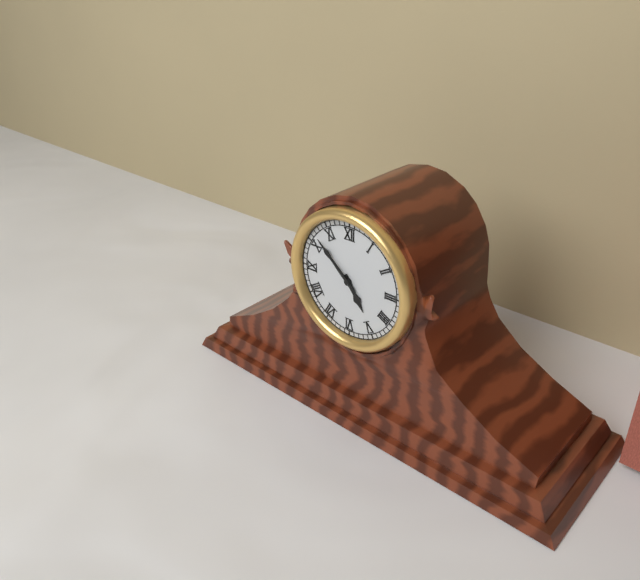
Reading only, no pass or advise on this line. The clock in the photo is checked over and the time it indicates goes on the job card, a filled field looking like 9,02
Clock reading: 4,52
